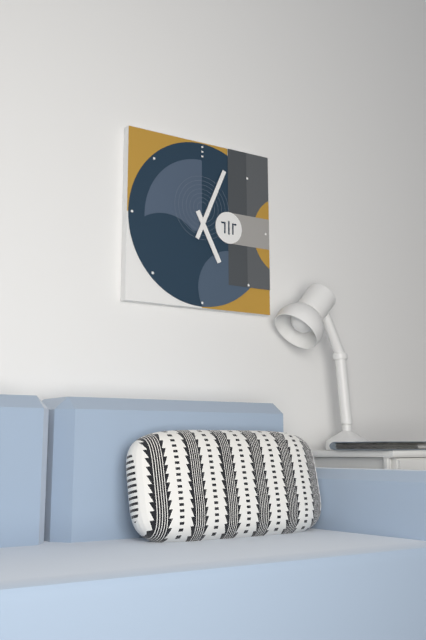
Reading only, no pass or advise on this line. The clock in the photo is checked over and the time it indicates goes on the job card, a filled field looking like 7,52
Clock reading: 5,04
